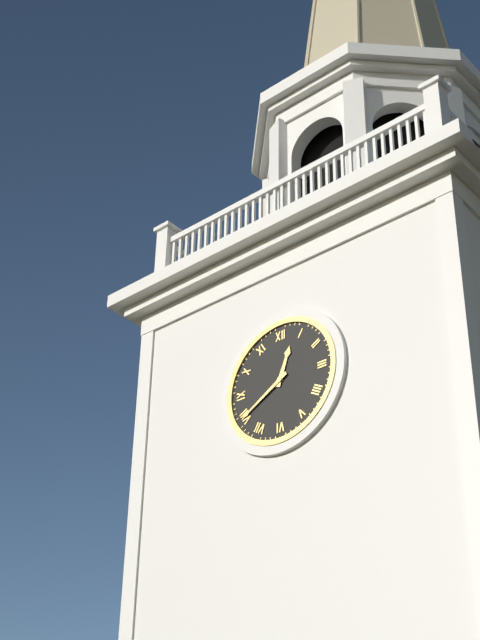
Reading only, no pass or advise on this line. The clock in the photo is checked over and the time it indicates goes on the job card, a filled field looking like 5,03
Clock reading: 12,40
